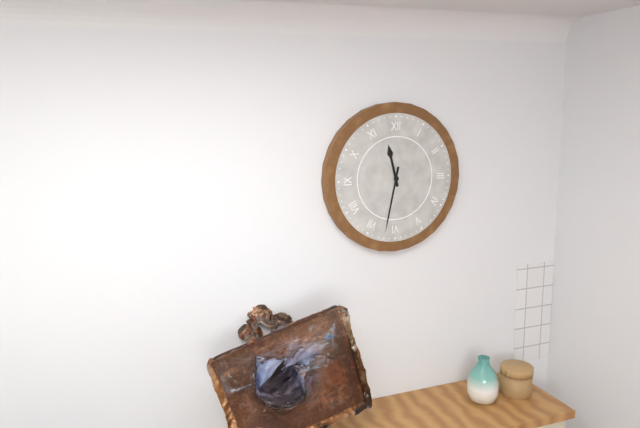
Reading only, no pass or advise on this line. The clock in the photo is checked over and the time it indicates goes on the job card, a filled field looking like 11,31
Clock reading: 11,32
